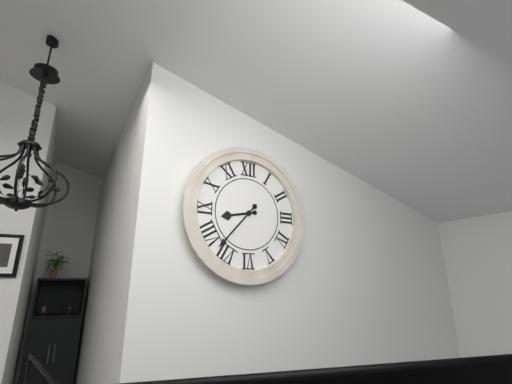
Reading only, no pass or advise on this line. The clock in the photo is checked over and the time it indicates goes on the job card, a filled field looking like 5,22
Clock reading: 8,37
